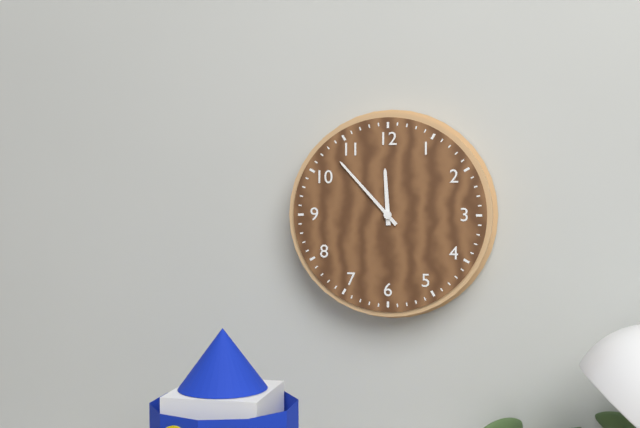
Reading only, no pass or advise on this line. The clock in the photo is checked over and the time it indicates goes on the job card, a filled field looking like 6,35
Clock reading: 11,53
